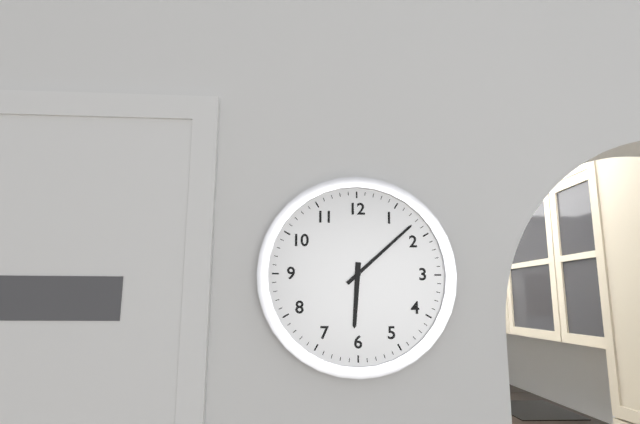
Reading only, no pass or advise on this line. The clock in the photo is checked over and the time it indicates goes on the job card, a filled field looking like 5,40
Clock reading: 6,08
